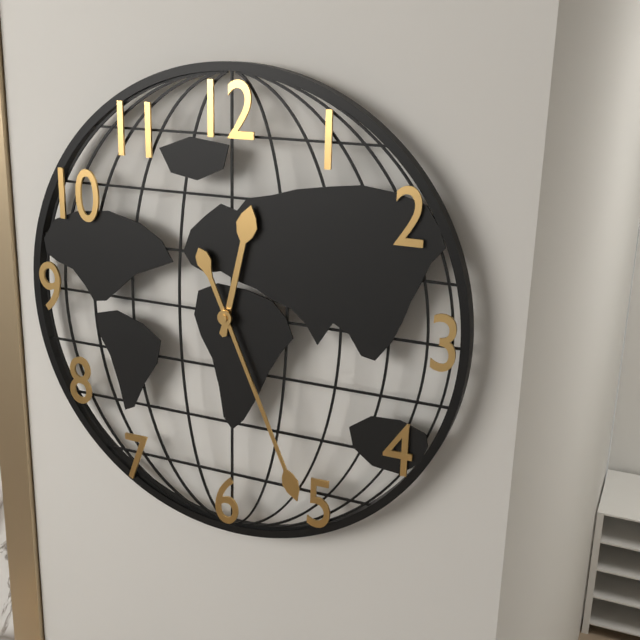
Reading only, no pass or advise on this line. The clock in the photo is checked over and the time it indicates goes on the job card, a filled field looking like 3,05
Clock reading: 12,26
